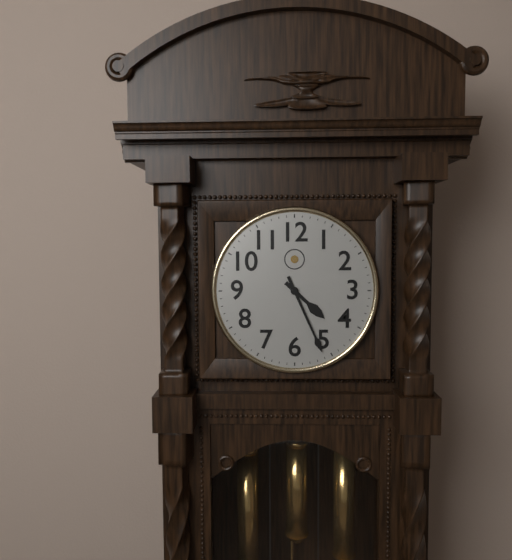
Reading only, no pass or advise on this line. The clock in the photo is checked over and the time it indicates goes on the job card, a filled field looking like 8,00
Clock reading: 4,26
